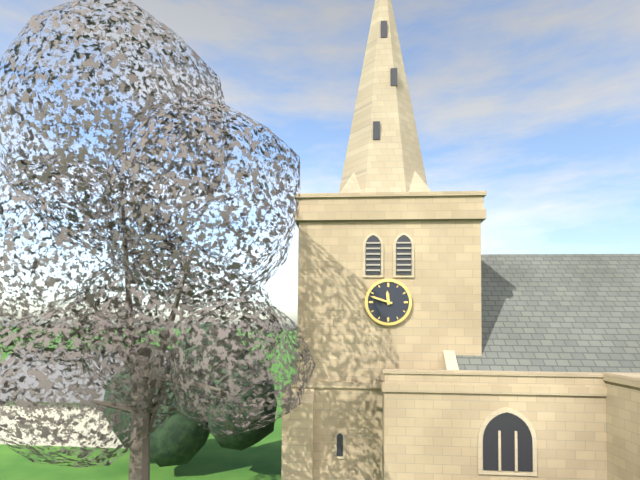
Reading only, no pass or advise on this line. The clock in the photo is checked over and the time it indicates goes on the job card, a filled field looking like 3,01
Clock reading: 11,48
